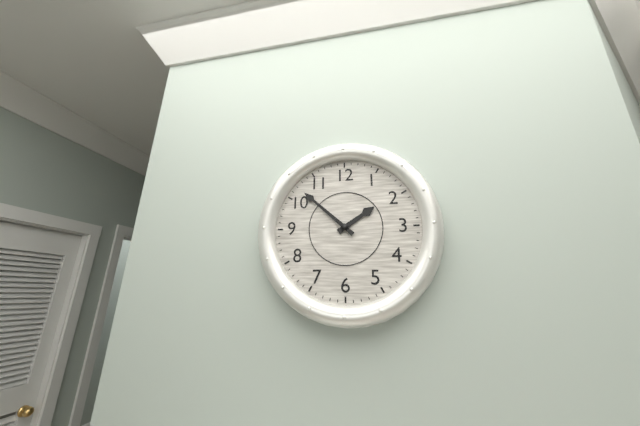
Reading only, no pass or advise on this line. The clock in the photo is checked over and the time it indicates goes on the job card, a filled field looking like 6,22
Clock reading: 1,52
